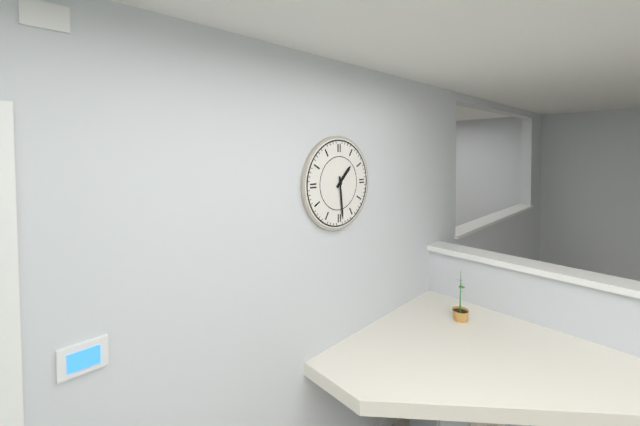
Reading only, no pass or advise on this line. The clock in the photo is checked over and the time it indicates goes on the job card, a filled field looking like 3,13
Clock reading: 1,29
